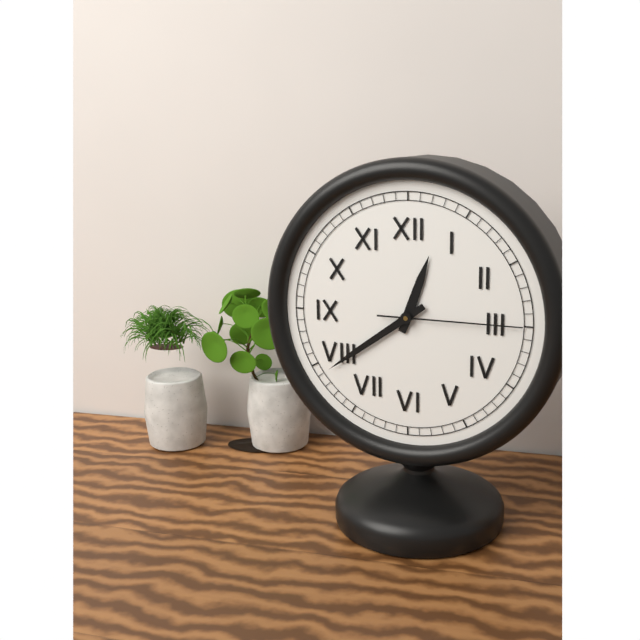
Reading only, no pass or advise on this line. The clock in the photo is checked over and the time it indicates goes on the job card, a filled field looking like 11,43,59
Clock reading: 12,39,15
